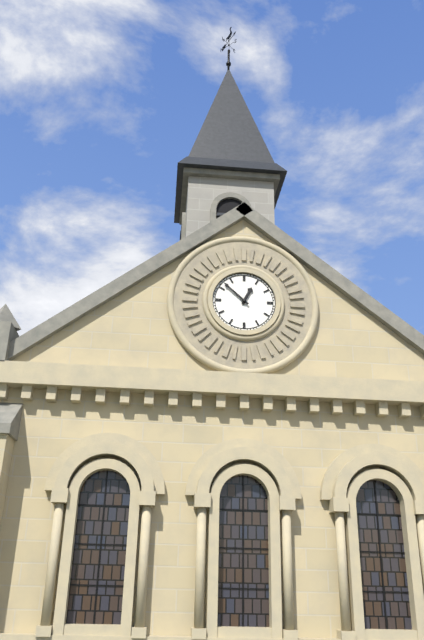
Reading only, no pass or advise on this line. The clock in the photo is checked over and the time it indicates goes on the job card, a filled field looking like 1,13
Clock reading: 12,52
